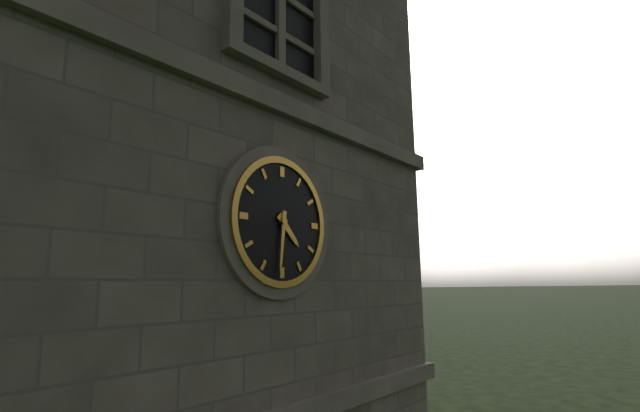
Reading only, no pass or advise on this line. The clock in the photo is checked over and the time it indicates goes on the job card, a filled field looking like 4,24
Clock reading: 4,31
